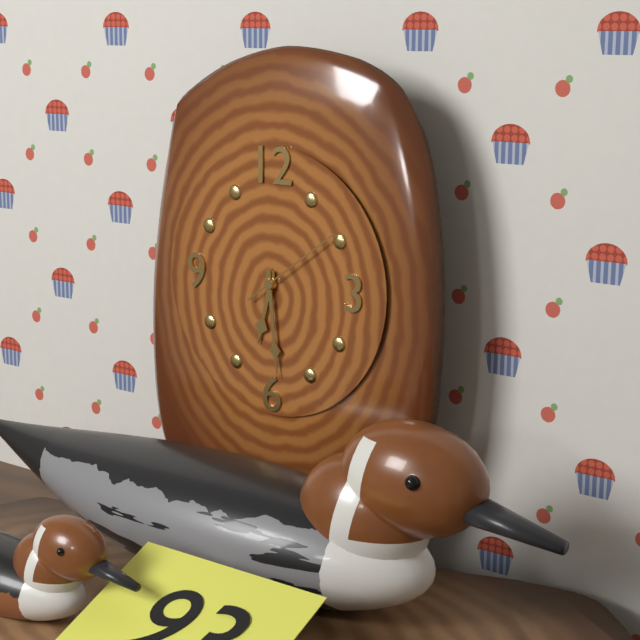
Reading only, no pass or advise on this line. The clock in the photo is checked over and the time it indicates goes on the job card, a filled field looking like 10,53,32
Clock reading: 6,29,09
